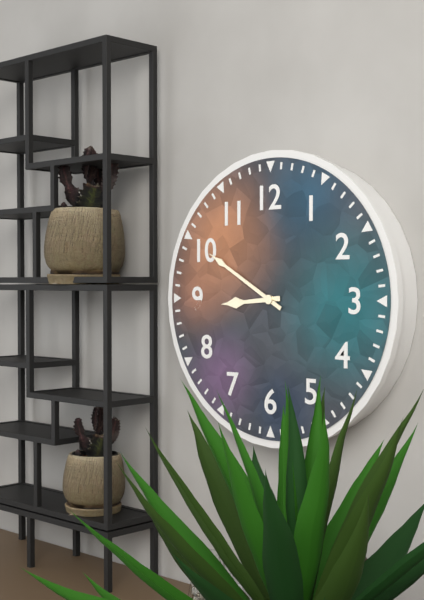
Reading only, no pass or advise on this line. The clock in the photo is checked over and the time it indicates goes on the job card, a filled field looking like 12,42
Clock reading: 8,50
